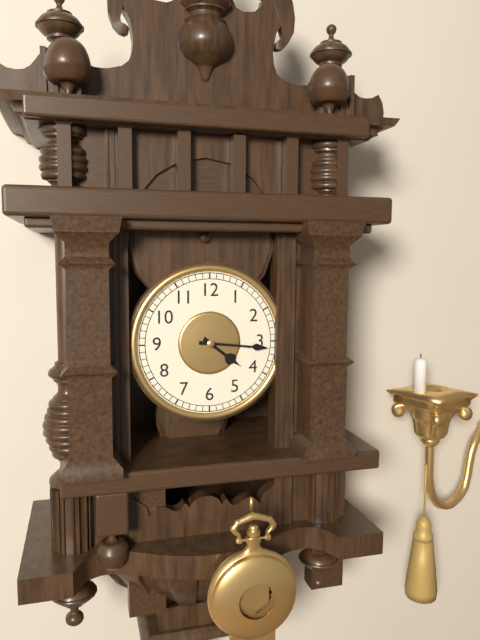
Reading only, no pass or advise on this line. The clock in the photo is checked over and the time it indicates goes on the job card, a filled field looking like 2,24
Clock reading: 4,16
